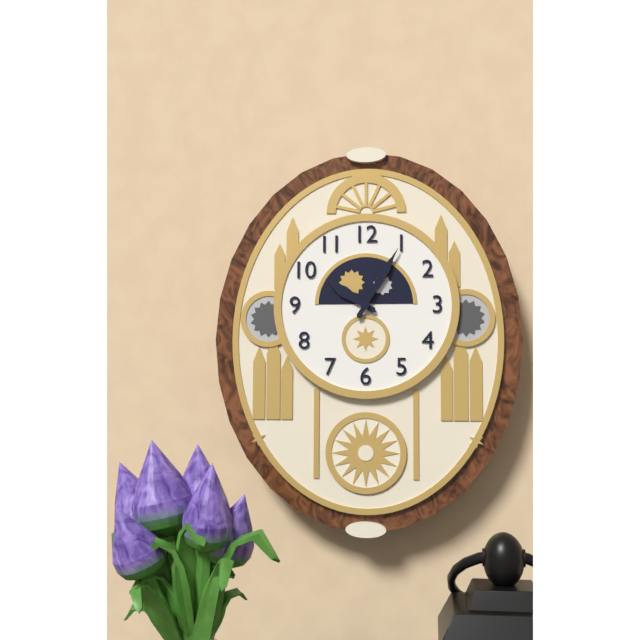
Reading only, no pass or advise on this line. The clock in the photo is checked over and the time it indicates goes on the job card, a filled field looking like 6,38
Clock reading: 10,05
